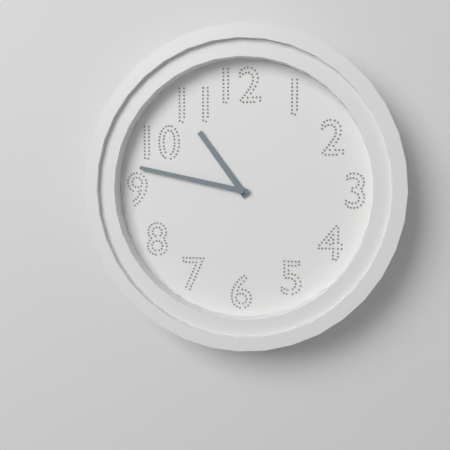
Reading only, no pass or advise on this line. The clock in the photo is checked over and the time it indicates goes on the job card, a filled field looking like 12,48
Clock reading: 10,47
